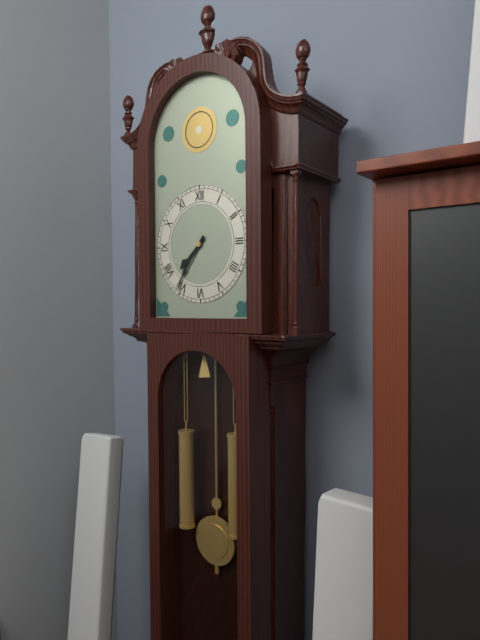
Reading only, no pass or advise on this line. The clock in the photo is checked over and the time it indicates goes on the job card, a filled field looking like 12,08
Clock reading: 7,36
